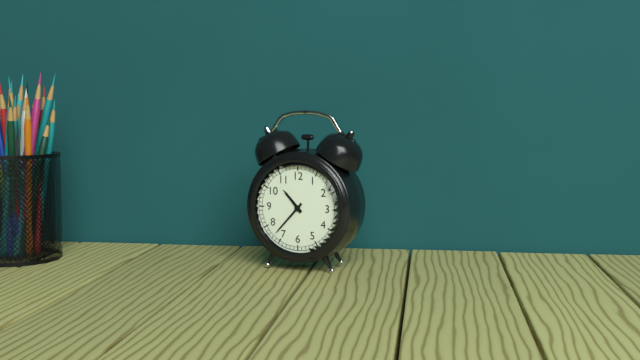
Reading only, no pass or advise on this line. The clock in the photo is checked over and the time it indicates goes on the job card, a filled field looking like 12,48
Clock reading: 10,37
